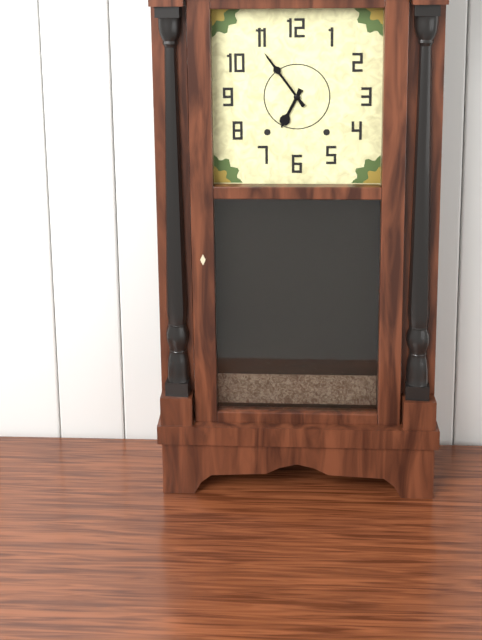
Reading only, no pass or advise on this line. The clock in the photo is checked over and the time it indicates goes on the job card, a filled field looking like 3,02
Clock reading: 6,54
